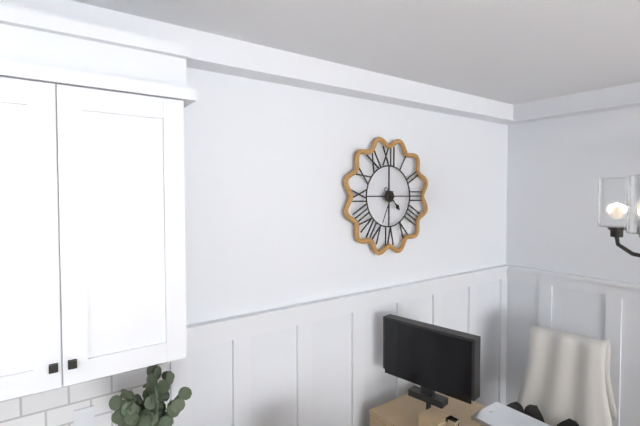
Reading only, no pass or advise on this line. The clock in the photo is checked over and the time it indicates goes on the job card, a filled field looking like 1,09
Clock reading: 4,34
